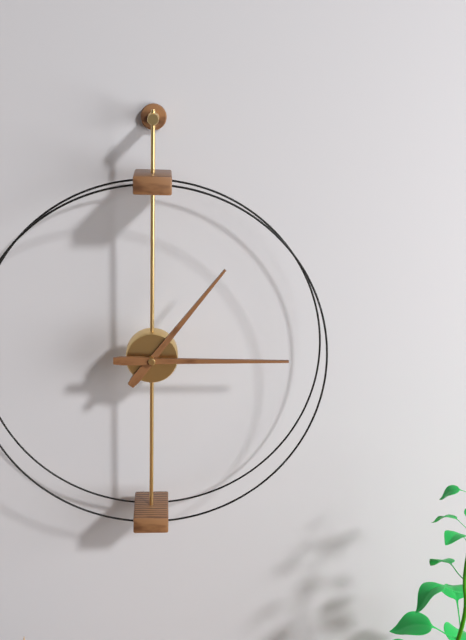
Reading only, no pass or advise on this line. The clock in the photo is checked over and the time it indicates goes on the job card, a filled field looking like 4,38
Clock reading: 1,15
